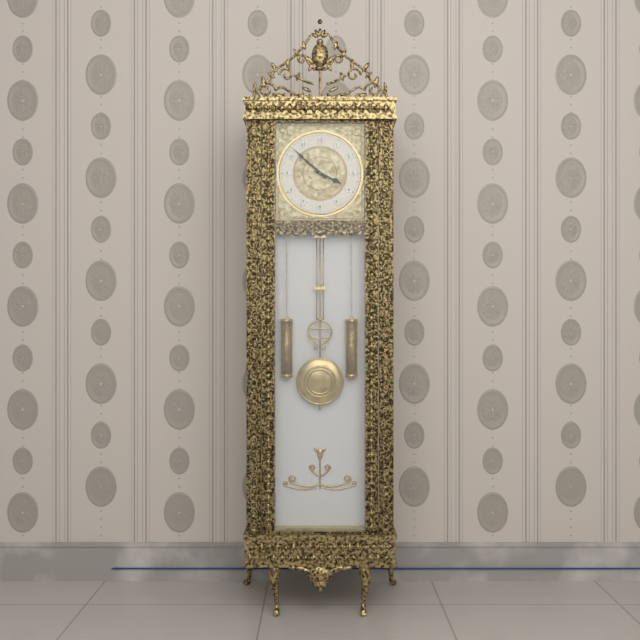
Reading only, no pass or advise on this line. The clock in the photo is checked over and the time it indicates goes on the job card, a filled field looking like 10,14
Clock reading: 3,52
